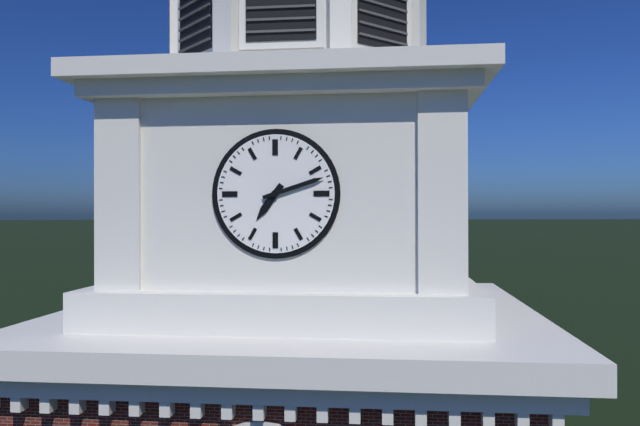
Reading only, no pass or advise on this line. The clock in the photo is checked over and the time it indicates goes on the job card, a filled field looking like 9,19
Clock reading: 7,12
